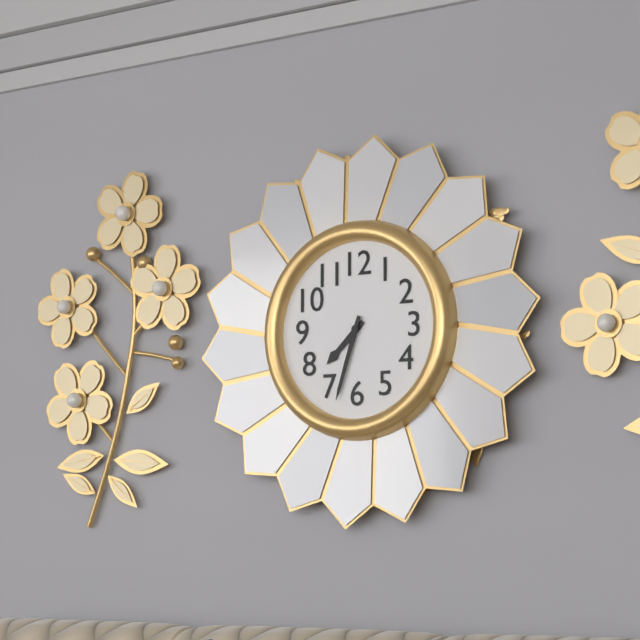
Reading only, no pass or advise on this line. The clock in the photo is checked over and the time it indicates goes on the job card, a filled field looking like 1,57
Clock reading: 7,33
